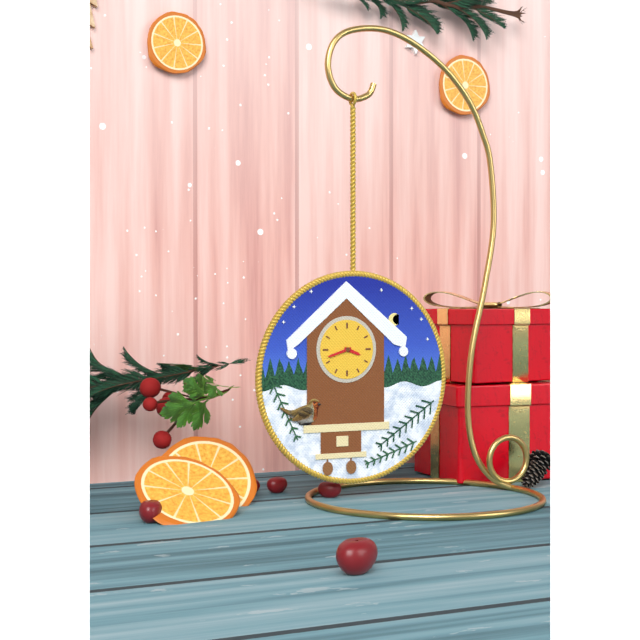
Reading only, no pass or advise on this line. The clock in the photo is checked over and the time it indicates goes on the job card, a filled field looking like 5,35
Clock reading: 3,42
